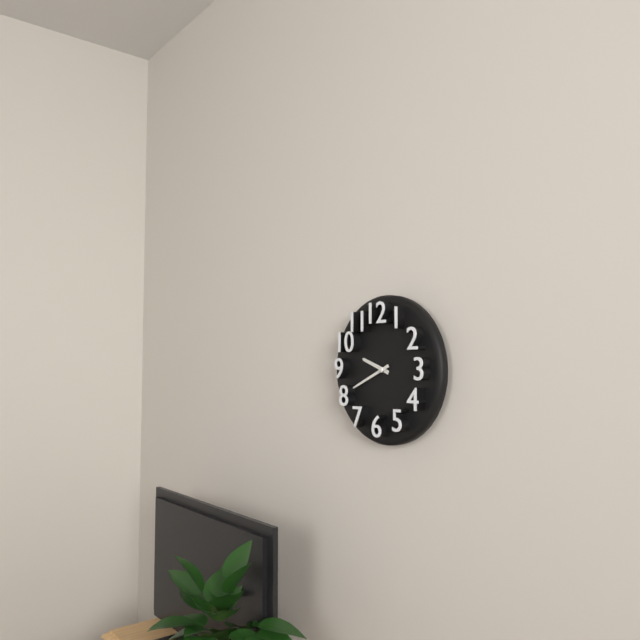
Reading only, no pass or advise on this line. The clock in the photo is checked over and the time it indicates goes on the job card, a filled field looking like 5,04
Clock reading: 9,41
